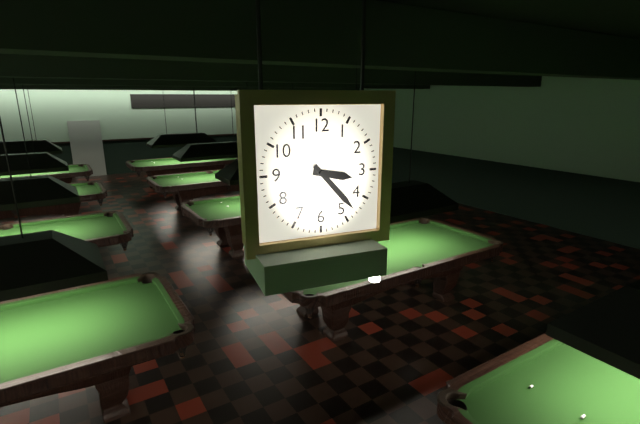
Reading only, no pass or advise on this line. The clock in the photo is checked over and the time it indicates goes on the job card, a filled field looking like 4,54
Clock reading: 3,23
